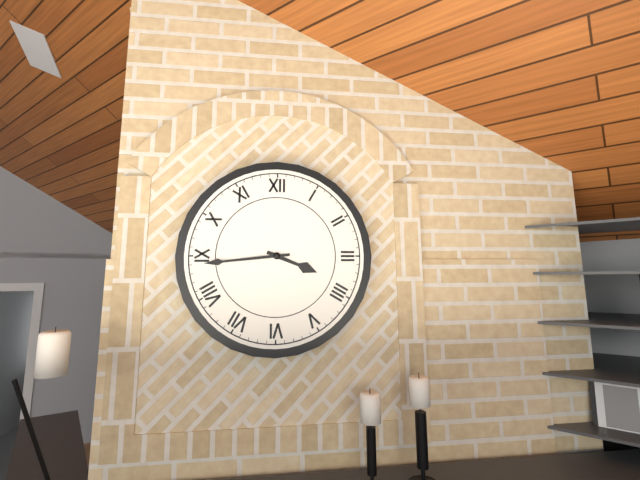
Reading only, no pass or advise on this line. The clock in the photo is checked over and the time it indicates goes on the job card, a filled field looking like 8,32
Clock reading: 3,44
